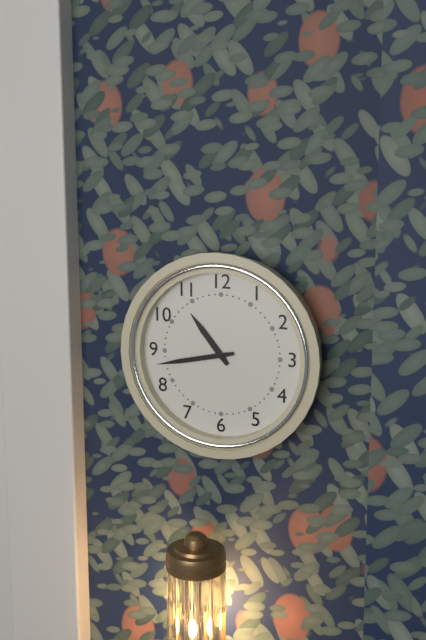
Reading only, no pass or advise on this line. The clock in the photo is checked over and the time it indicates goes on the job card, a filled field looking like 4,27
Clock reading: 10,43
